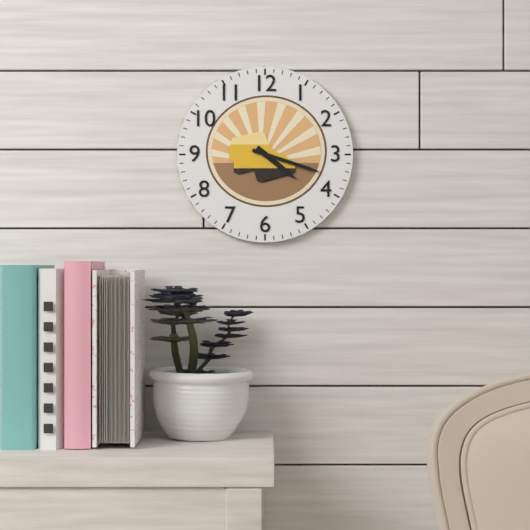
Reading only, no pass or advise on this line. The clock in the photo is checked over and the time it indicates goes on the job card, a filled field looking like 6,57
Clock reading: 4,18
